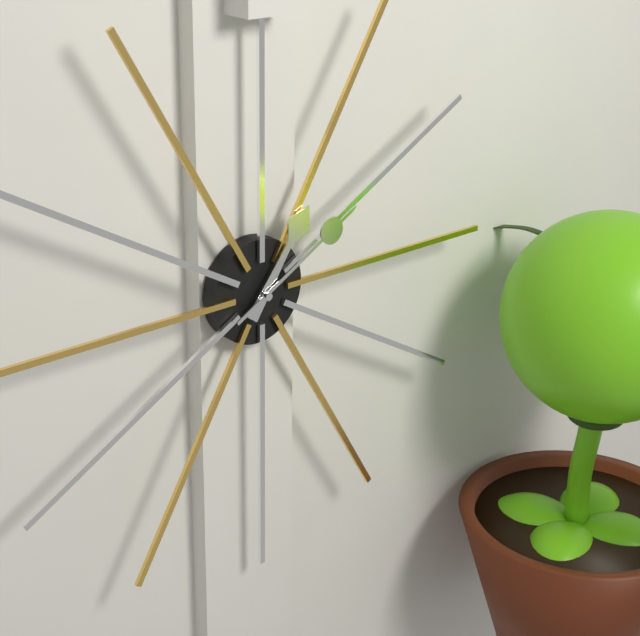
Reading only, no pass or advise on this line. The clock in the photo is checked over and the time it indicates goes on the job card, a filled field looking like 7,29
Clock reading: 1,10
